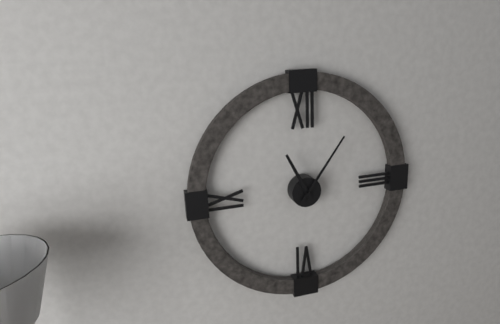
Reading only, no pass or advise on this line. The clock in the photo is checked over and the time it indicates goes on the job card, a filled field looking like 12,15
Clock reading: 11,06
